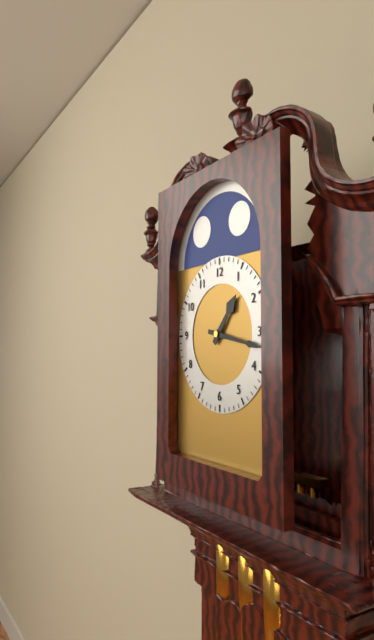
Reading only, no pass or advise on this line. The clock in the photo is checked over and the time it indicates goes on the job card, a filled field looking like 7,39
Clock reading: 1,17
